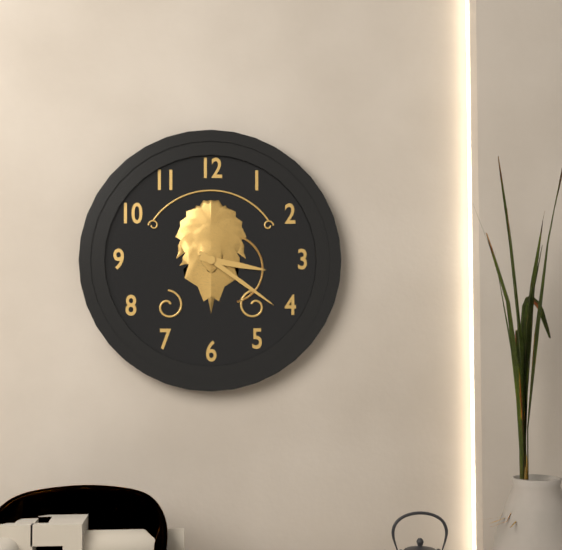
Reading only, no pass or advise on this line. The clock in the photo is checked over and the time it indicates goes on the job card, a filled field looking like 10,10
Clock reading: 3,21
